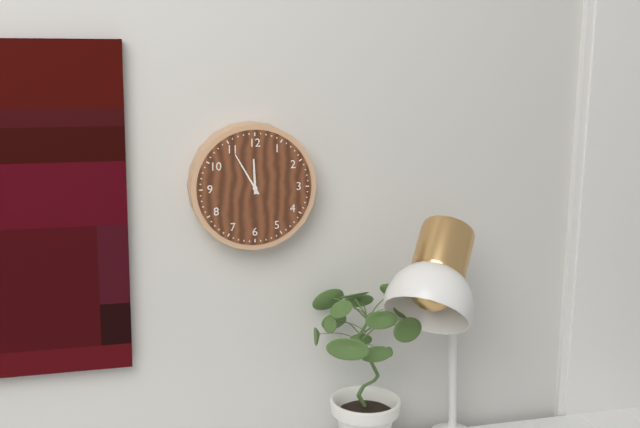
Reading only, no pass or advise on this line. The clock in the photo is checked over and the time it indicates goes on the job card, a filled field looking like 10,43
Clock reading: 11,55
